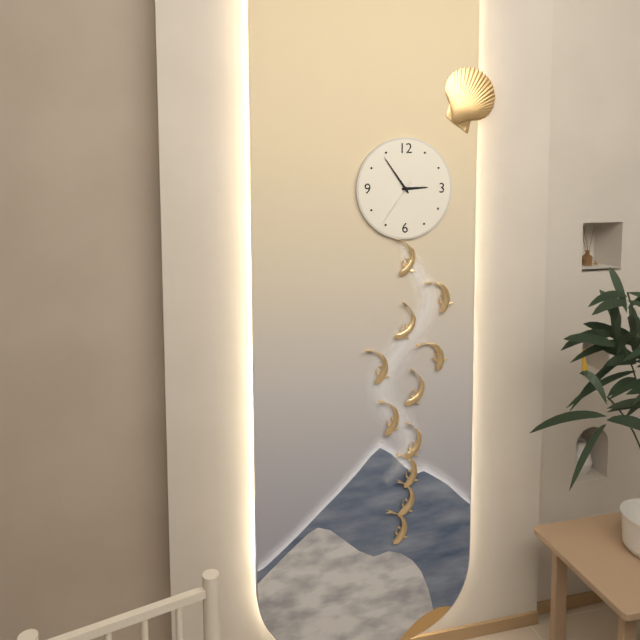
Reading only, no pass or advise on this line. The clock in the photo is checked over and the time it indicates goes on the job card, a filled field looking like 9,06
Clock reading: 2,54
